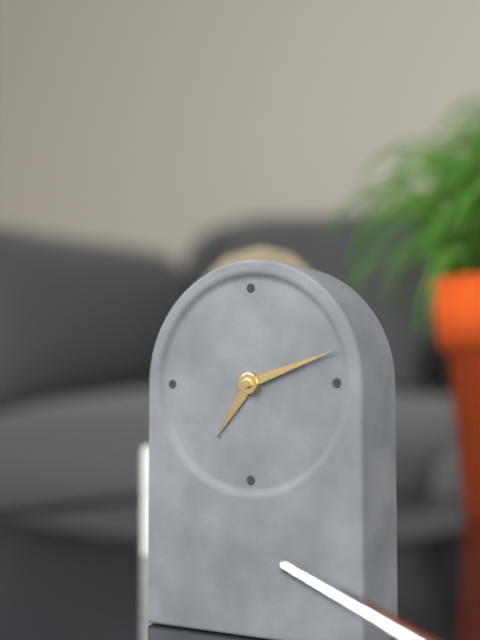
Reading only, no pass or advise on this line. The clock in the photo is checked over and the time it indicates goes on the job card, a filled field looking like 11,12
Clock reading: 7,12
